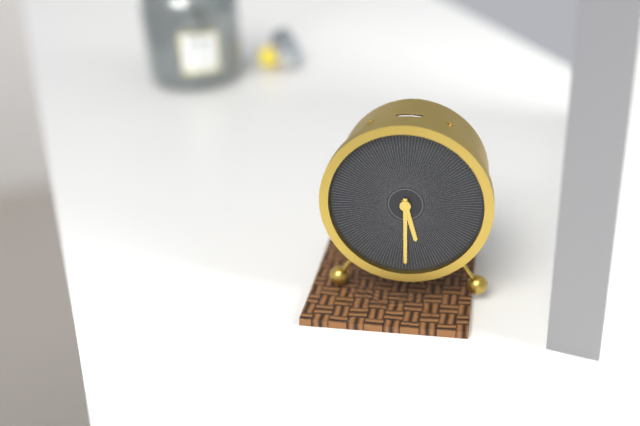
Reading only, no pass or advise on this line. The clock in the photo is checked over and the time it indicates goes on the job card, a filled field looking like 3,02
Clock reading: 5,30
